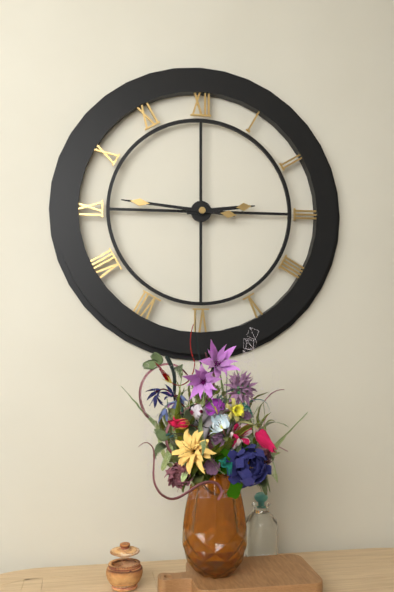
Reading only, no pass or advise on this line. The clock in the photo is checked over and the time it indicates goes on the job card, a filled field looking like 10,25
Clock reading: 2,46
